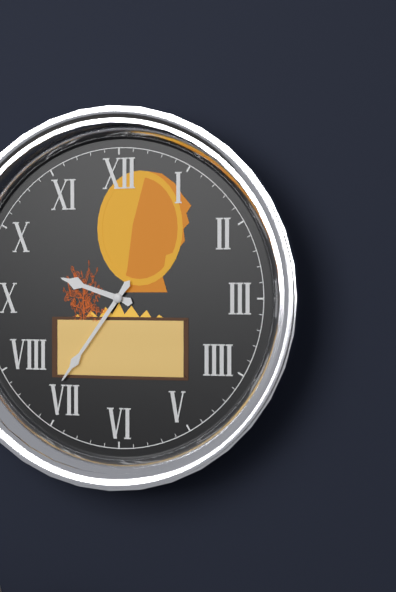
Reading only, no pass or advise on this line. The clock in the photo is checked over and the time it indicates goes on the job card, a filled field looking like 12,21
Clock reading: 9,36
